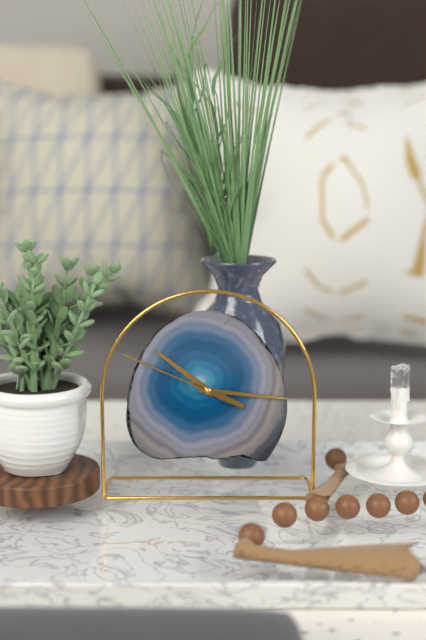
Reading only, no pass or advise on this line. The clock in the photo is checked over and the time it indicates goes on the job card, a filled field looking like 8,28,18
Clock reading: 10,16,49
